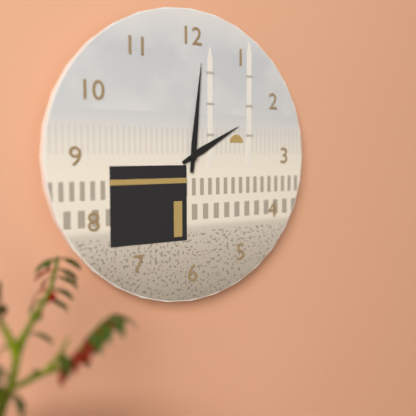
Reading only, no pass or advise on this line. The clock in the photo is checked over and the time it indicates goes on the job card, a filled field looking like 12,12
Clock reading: 2,01
